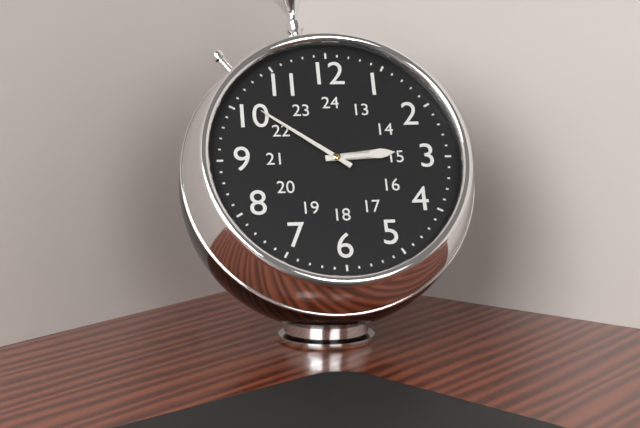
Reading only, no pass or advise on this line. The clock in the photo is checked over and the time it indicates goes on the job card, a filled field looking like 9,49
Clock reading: 2,51
